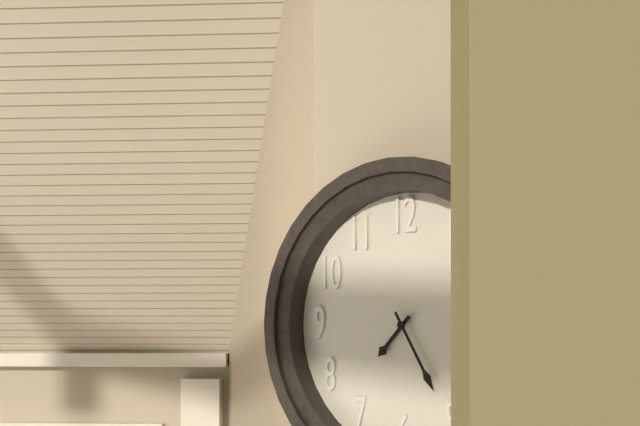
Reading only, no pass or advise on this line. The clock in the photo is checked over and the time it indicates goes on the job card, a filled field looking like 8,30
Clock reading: 7,25
